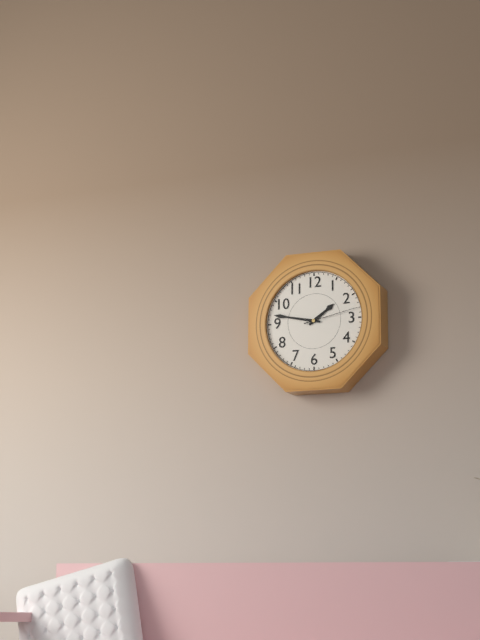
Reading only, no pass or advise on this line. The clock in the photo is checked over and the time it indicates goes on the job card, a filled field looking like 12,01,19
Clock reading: 1,47,13
